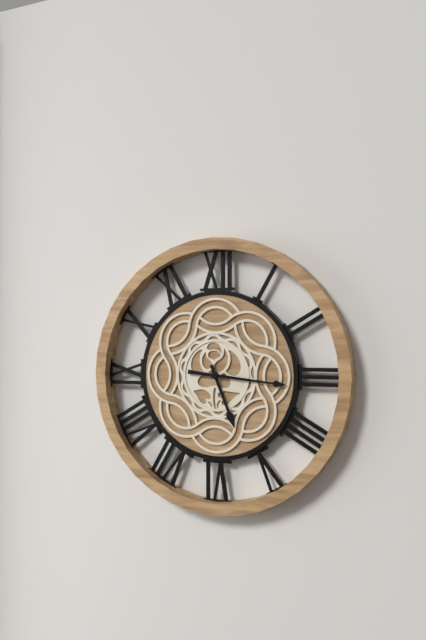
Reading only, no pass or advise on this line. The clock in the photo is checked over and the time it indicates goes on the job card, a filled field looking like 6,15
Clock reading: 5,16
